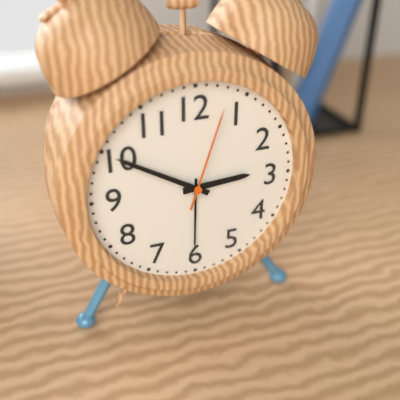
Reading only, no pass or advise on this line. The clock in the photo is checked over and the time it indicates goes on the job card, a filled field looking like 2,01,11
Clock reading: 2,50,03
